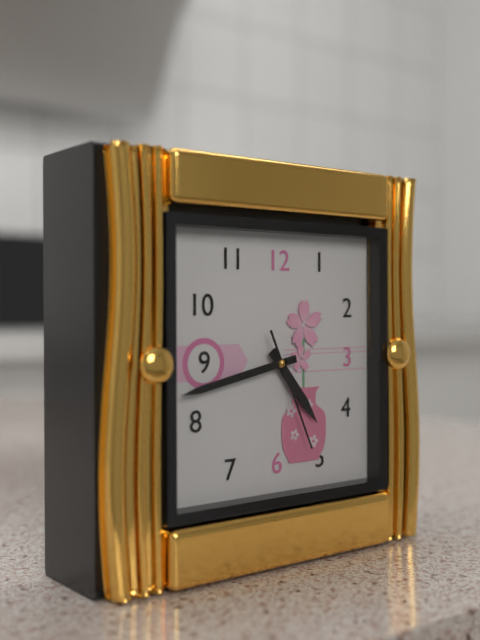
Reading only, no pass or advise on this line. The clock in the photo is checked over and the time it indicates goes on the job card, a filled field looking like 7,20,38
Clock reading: 4,43,26
